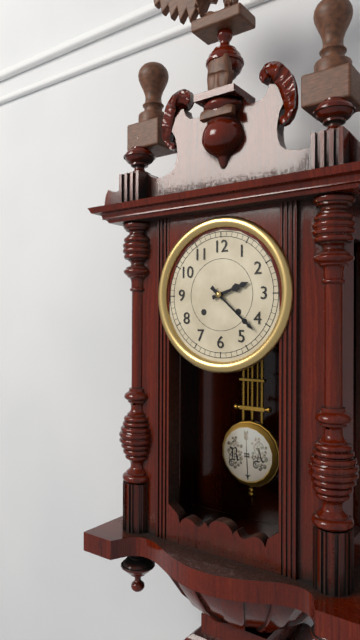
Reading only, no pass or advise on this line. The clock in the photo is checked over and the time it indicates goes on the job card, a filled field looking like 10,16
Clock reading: 2,22
